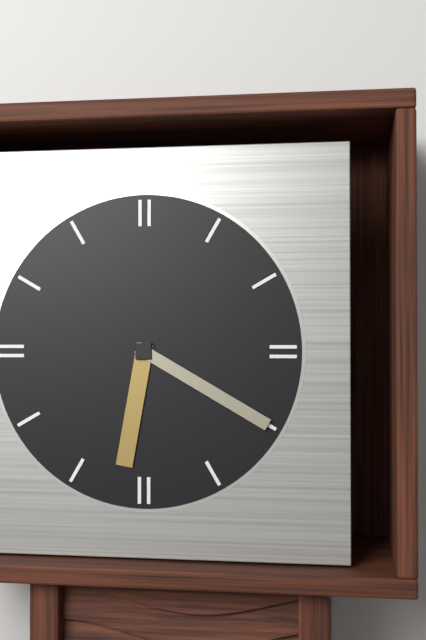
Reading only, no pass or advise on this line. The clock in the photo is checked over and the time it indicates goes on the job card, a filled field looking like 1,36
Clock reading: 6,20
